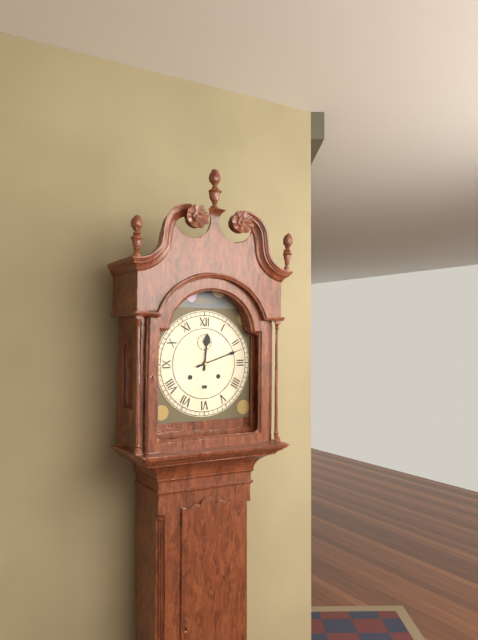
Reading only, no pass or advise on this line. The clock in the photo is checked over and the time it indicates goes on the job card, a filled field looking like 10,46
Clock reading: 12,12
